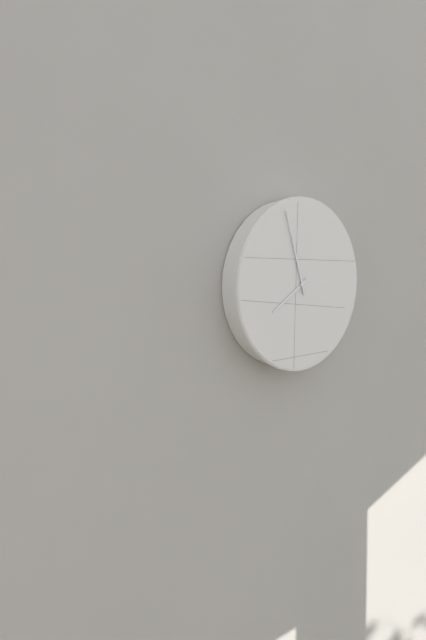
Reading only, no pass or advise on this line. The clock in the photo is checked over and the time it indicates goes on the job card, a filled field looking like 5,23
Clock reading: 7,57
